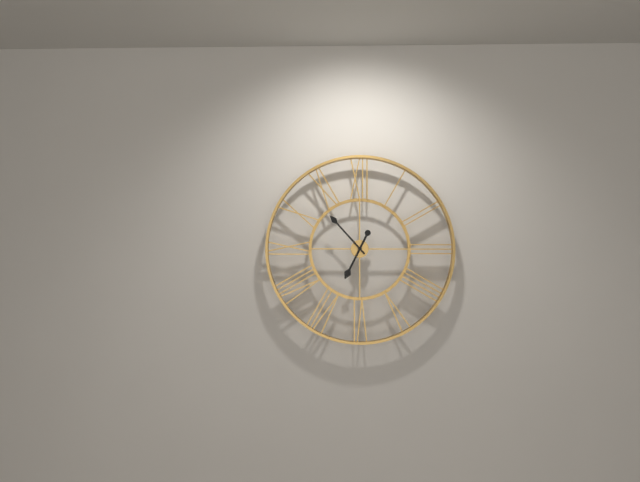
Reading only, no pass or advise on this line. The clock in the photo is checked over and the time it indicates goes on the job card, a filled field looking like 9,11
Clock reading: 6,53
